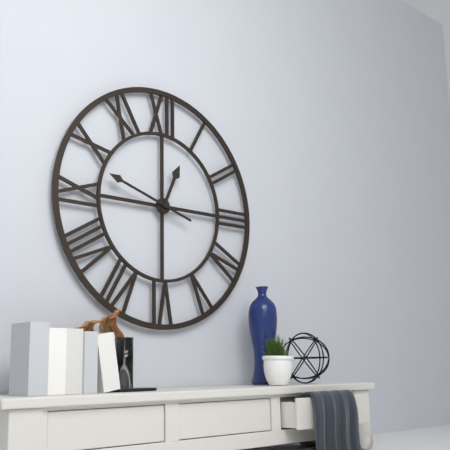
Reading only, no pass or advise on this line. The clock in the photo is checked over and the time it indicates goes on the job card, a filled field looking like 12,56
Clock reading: 12,48
